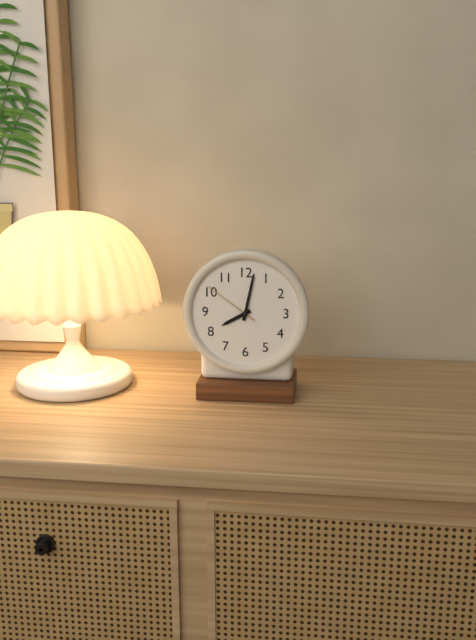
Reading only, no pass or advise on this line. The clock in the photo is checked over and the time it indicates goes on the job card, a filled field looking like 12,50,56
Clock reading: 8,02,51
